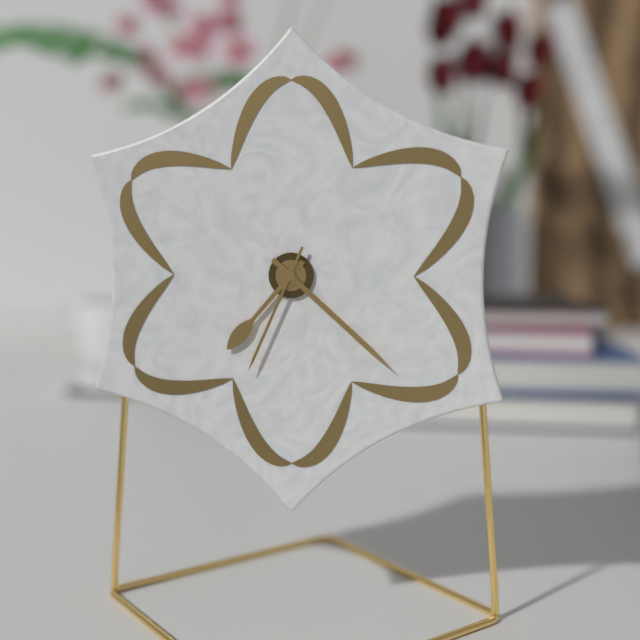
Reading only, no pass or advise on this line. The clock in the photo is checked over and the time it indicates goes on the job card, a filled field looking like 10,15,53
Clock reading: 7,22,34
